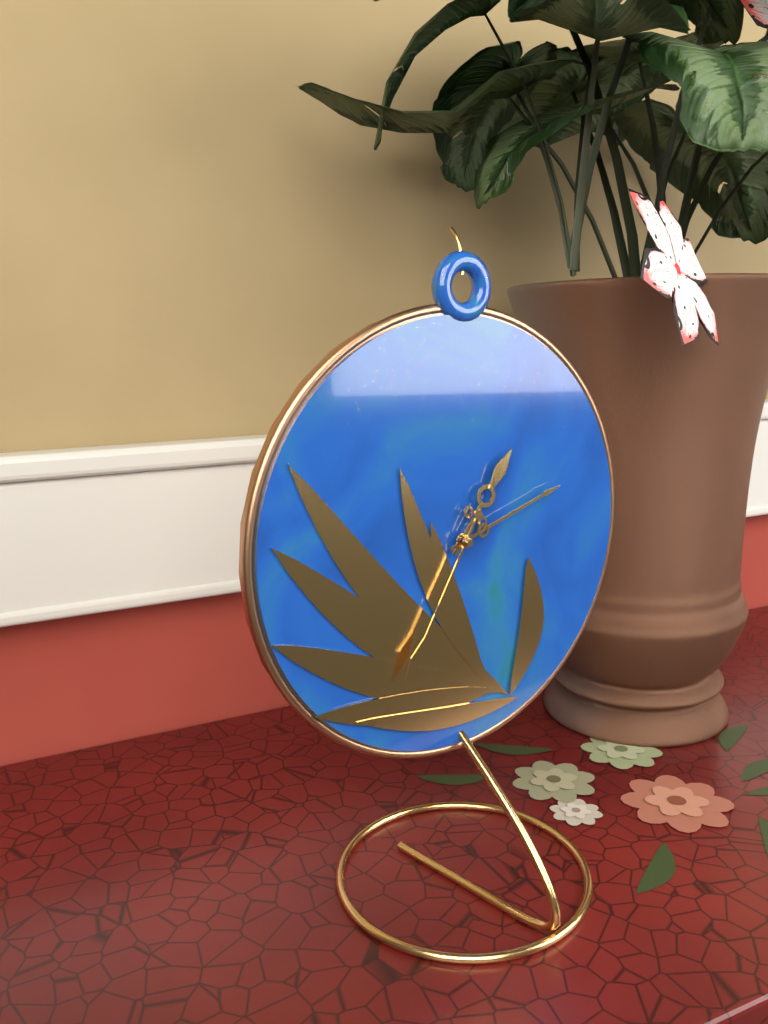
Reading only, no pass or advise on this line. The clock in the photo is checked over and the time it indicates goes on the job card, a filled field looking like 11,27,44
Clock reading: 1,12,35
